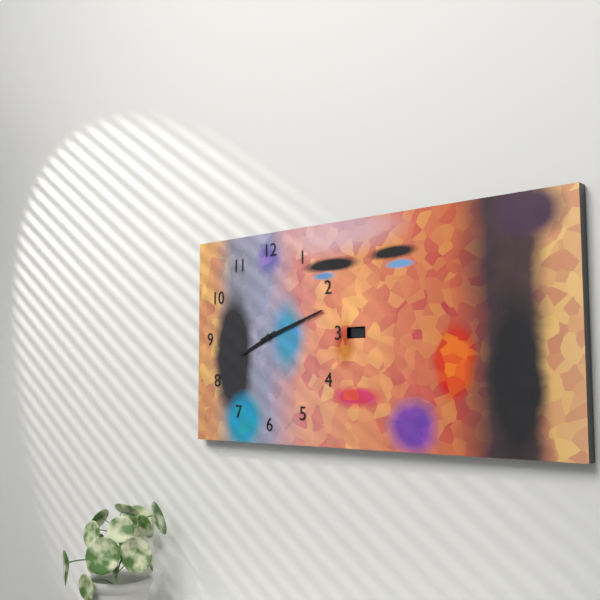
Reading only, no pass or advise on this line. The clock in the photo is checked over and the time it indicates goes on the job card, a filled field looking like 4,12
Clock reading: 8,12
